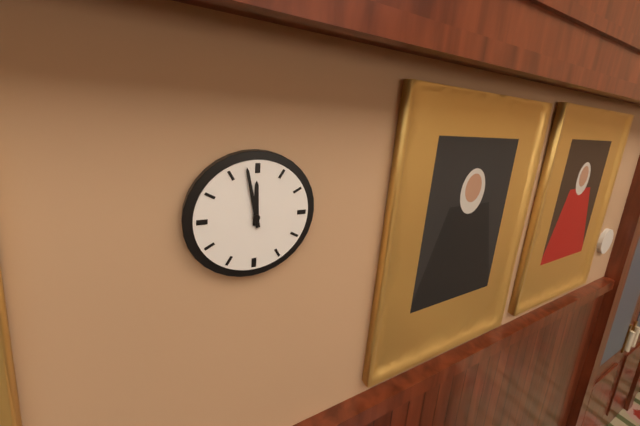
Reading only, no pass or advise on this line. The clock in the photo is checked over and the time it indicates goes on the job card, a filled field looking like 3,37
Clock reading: 11,58
